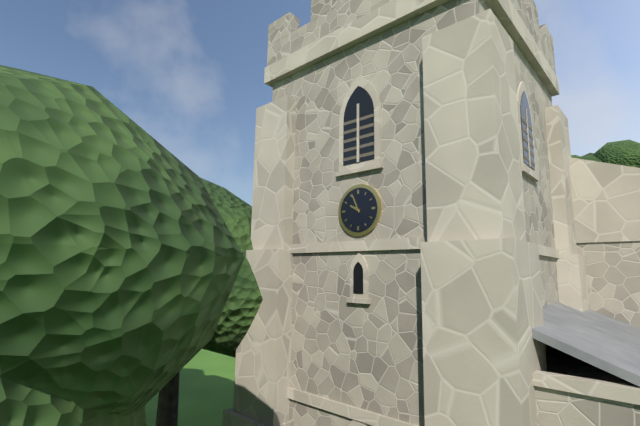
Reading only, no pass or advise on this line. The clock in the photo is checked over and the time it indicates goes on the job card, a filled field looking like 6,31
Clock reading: 9,56
